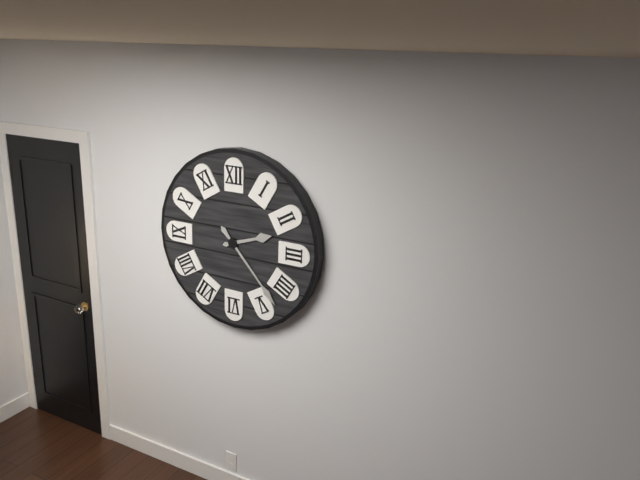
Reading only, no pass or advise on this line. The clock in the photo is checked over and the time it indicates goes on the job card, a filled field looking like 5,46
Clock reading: 2,23
